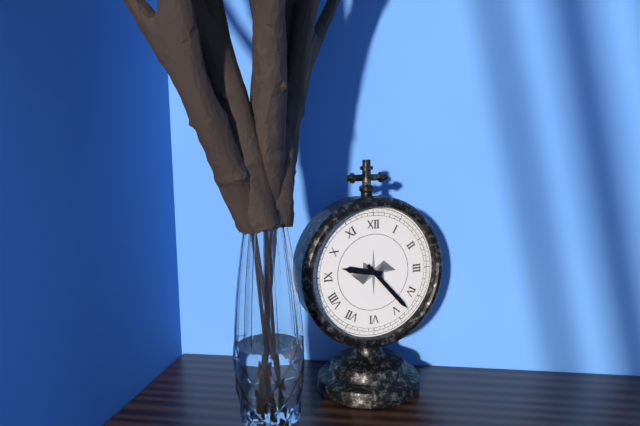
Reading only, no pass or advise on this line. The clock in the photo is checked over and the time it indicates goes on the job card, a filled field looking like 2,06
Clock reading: 9,23
